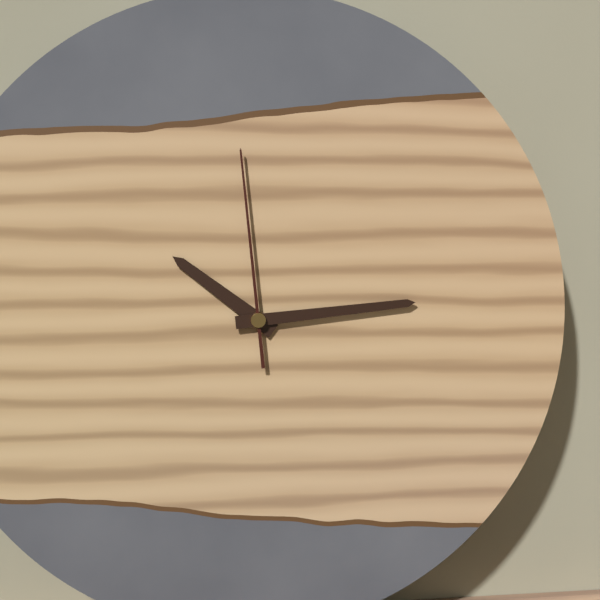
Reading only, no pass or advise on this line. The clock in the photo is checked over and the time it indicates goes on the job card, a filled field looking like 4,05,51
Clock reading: 10,14,59
